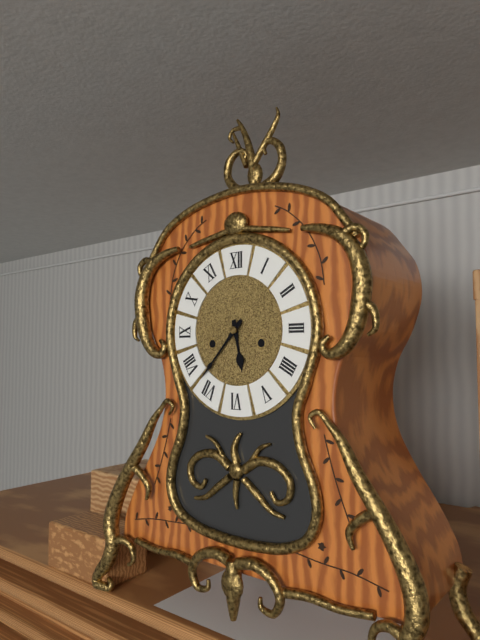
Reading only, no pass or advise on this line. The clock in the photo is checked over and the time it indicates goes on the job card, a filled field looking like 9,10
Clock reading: 5,37
